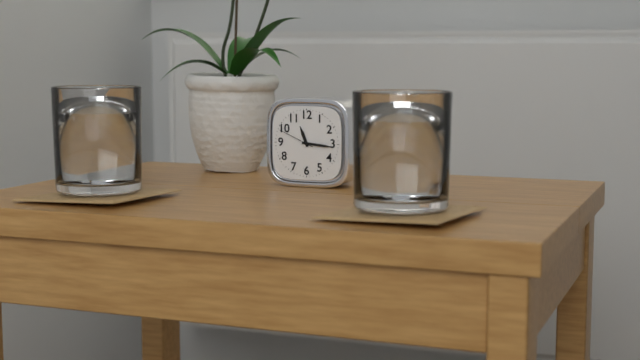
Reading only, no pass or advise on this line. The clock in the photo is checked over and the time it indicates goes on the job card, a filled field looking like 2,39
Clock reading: 11,16
